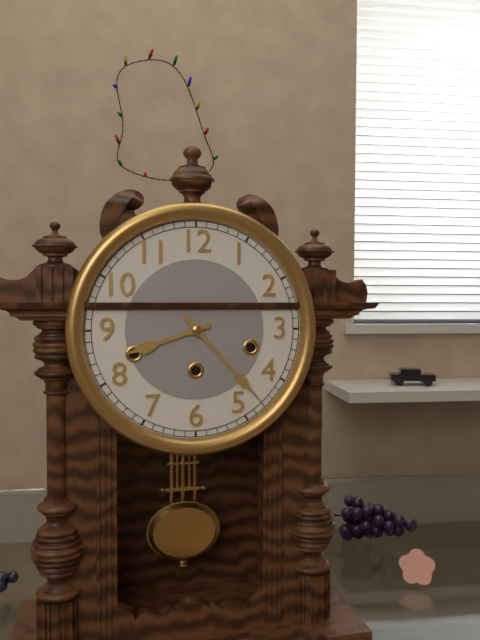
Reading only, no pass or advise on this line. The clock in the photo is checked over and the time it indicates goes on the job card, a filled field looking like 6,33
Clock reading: 8,23
